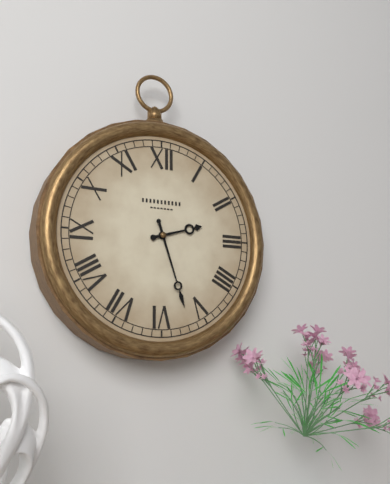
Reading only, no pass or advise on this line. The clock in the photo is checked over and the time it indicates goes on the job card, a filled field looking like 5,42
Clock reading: 2,27
